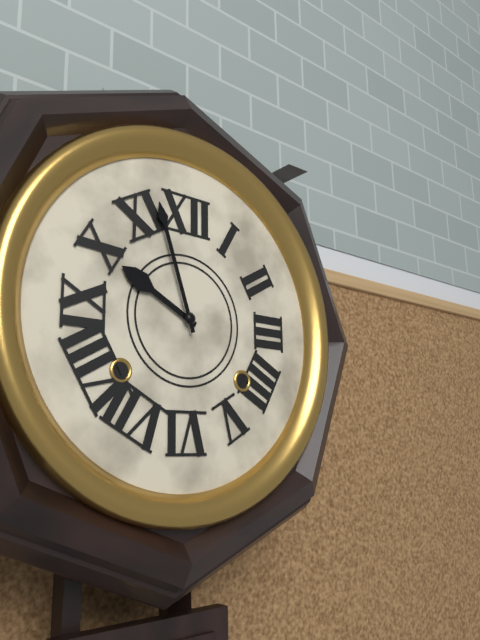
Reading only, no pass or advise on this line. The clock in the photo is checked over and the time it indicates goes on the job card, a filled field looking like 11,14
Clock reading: 9,57
